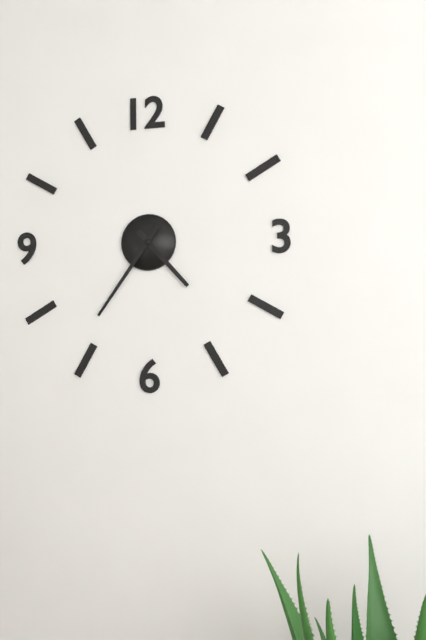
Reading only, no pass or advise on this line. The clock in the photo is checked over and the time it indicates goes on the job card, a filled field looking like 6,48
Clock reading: 4,36
